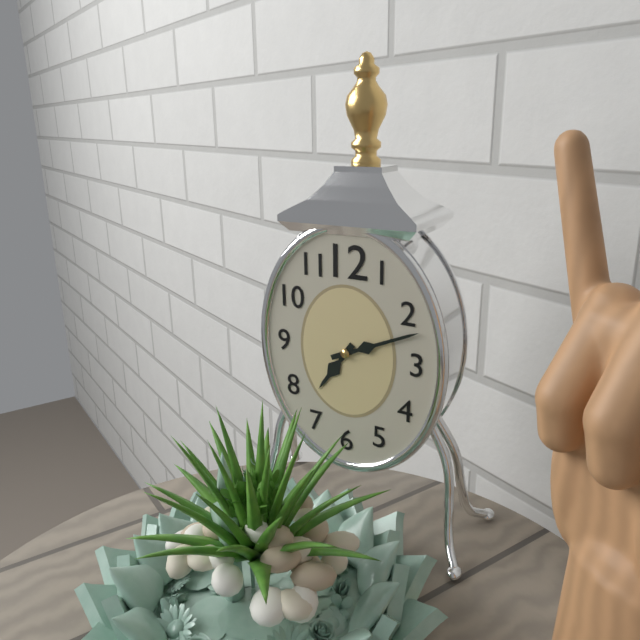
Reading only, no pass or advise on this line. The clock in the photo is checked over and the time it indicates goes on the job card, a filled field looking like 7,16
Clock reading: 7,11
